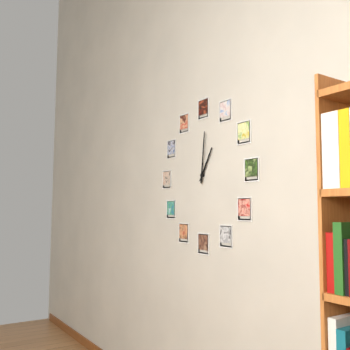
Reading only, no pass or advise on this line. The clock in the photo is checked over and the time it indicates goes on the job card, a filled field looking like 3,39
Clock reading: 1,01
